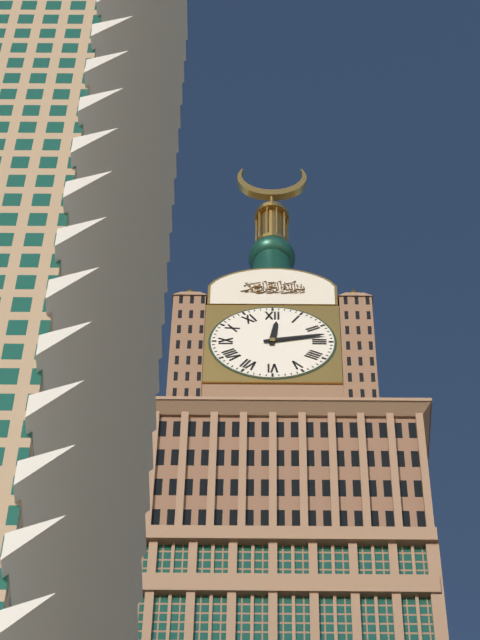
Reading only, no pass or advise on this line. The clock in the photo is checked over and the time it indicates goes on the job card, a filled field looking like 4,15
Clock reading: 12,13
